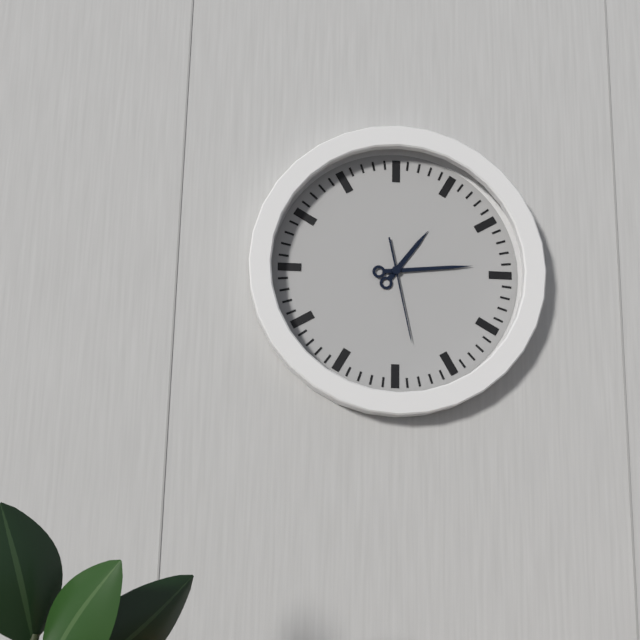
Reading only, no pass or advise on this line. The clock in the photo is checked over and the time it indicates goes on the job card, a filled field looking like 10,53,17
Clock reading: 1,14,28
